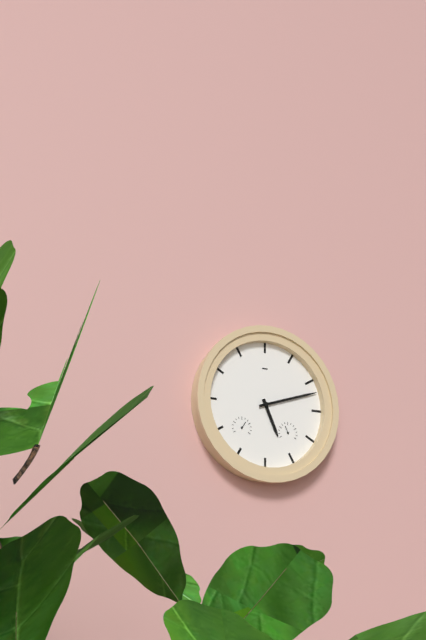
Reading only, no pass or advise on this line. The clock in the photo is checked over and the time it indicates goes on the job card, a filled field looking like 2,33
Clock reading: 5,12
